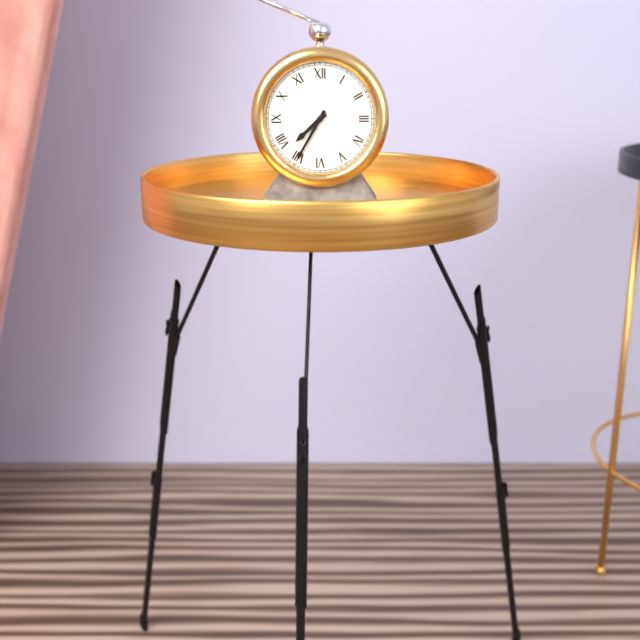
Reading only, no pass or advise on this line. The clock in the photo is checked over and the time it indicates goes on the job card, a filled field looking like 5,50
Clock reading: 7,35
